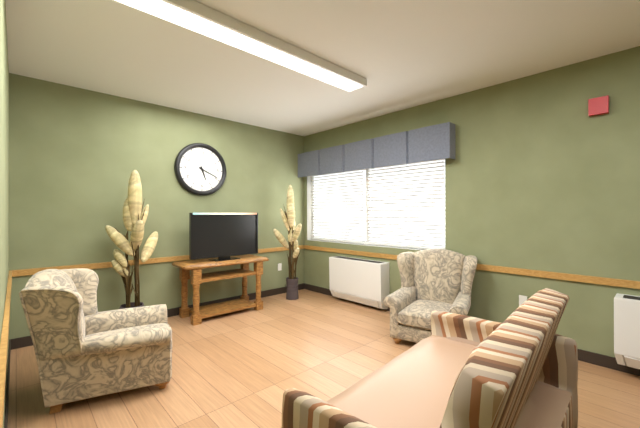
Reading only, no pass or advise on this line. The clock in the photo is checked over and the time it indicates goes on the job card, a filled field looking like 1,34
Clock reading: 5,19
